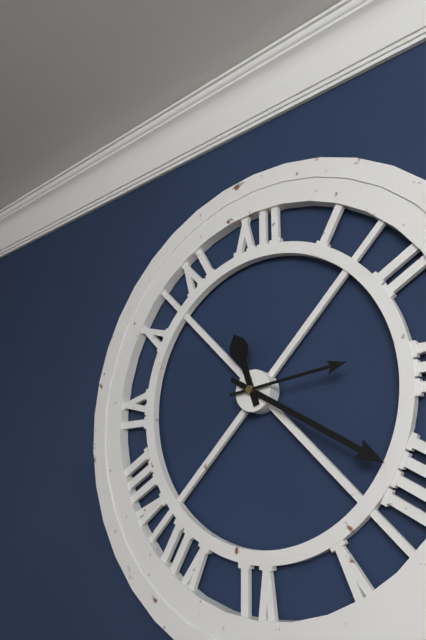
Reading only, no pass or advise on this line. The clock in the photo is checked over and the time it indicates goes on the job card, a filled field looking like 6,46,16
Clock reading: 11,20,14
